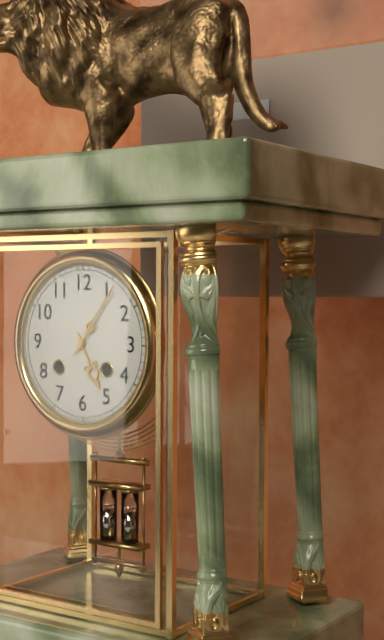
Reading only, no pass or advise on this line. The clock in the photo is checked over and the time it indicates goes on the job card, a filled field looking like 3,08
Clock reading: 5,06
